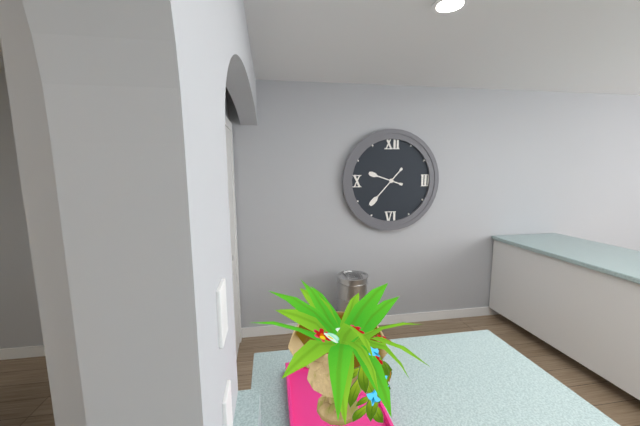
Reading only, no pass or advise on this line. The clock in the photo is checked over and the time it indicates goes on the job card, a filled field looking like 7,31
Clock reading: 9,37
